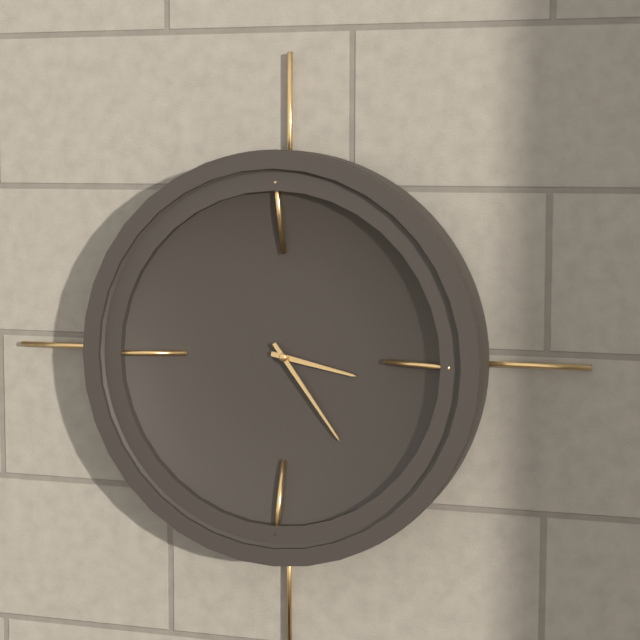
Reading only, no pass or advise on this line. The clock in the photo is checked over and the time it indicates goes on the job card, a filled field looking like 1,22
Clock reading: 3,24
